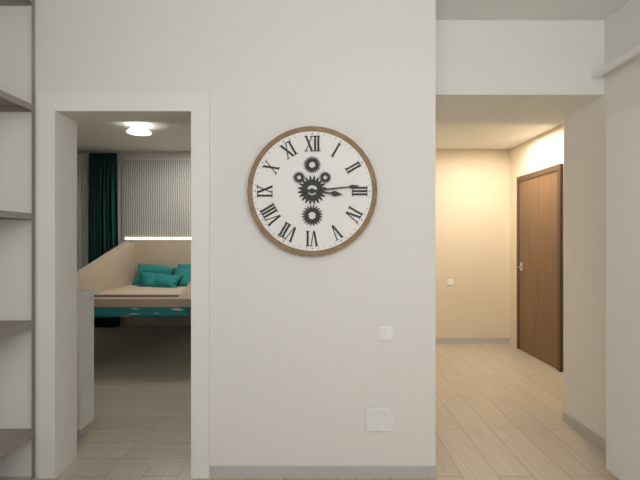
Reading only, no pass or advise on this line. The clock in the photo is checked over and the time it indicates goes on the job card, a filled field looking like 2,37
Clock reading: 3,14
